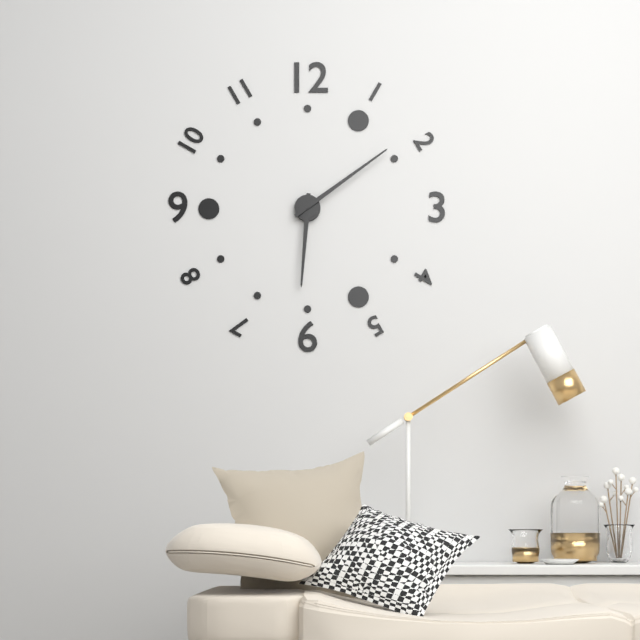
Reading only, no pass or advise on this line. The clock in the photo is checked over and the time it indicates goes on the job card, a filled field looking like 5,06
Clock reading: 6,09
